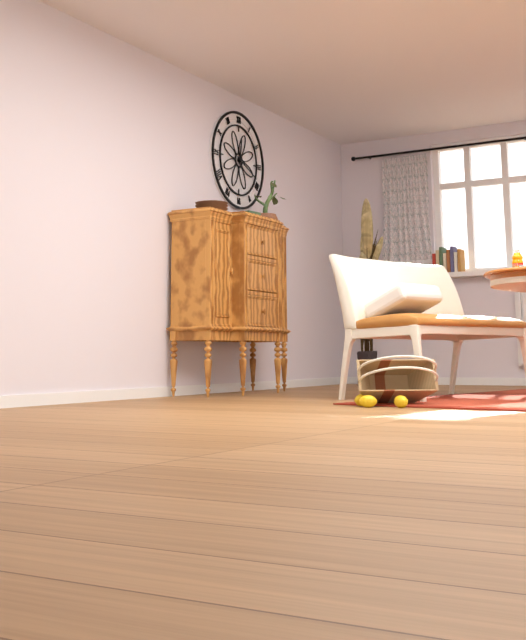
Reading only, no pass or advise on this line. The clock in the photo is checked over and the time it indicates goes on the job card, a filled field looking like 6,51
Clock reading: 12,19
